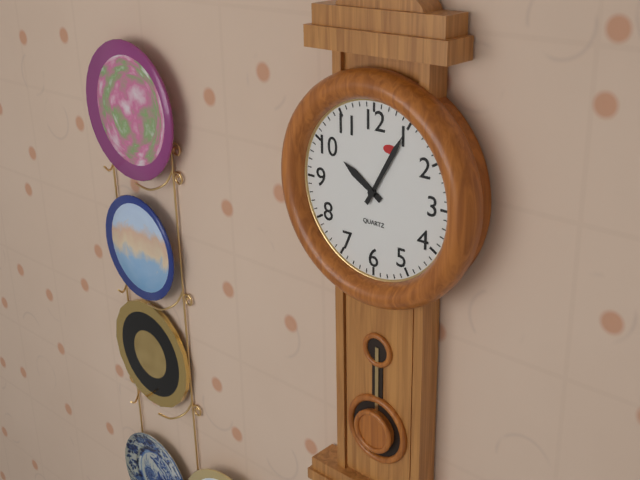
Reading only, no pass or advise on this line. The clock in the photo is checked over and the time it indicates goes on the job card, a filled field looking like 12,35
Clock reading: 10,05
